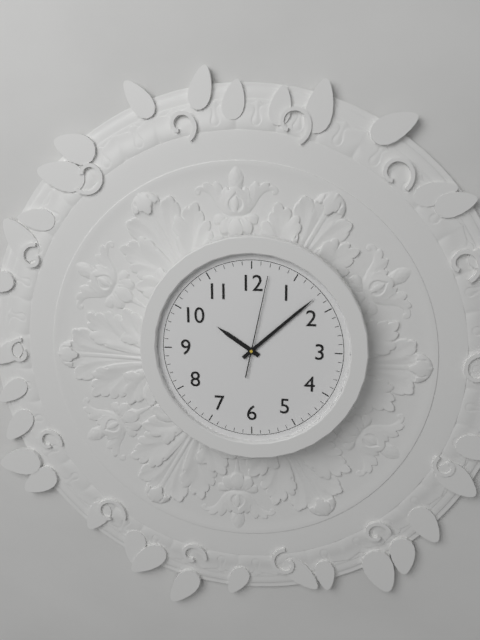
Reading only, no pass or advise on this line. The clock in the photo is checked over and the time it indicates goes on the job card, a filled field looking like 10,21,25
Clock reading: 10,08,02
